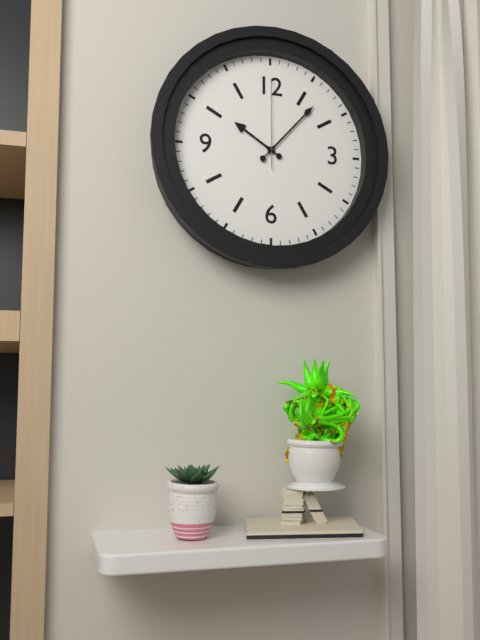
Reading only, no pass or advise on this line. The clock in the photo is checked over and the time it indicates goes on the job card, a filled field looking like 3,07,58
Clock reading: 10,07,00
